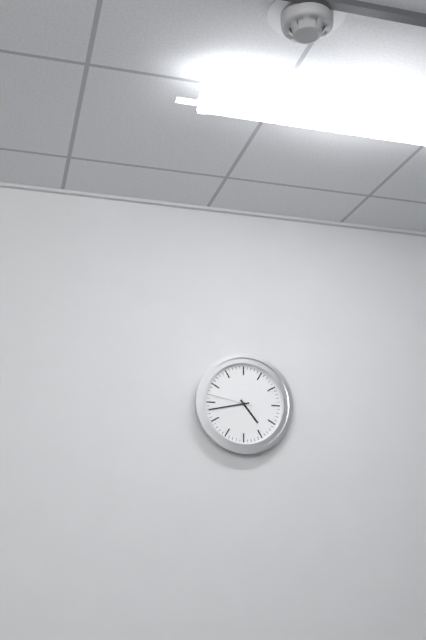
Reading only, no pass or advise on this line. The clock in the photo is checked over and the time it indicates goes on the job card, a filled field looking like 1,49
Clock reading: 4,43
